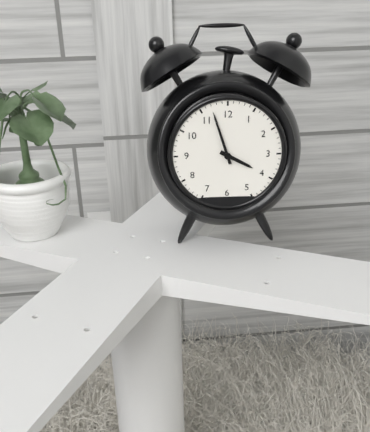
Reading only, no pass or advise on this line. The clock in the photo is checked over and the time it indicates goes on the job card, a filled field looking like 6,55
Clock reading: 3,57
